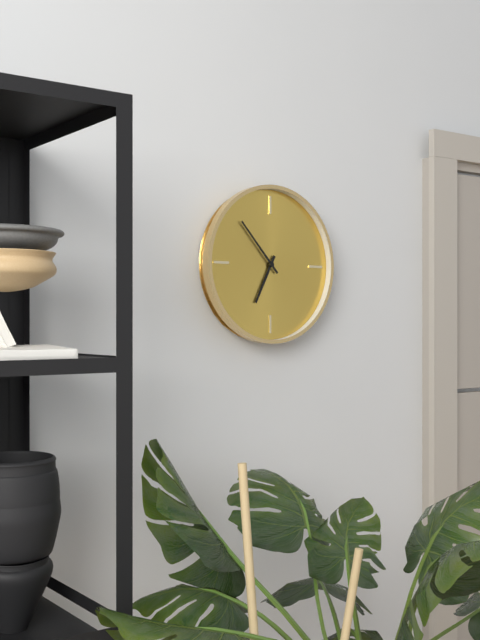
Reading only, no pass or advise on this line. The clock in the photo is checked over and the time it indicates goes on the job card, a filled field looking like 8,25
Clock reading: 6,53
